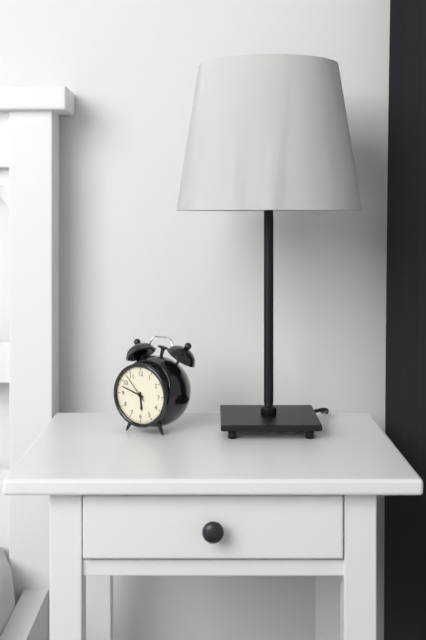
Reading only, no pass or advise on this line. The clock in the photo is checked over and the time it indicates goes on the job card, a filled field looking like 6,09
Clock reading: 5,48
